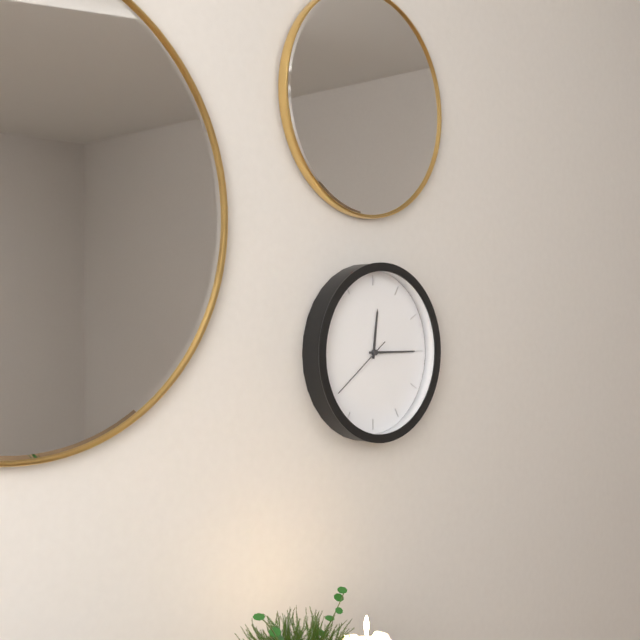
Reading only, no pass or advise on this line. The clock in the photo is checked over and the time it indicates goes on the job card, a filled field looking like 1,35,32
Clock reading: 12,15,39
